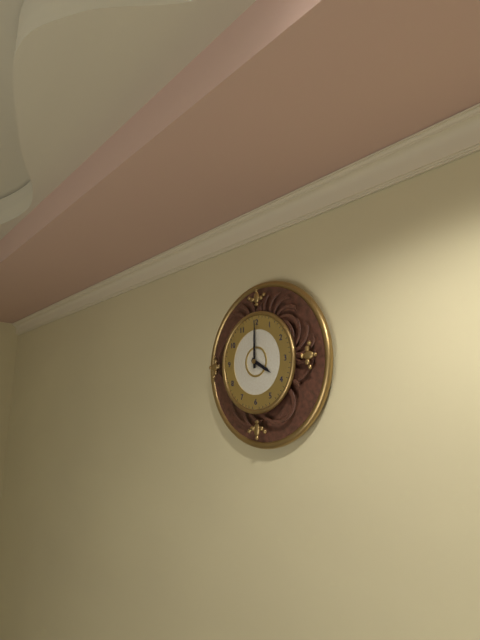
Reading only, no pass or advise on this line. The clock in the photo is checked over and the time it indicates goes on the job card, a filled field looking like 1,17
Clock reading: 4,00
